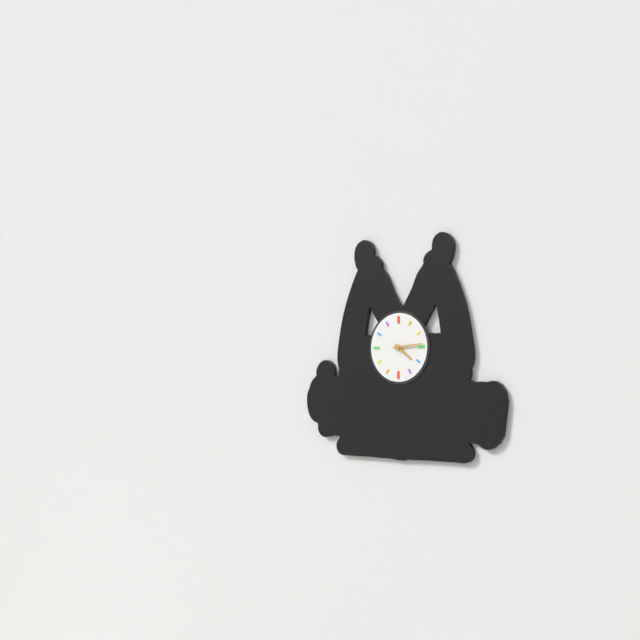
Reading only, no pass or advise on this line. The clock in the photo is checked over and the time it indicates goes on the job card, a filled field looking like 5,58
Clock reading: 4,14
